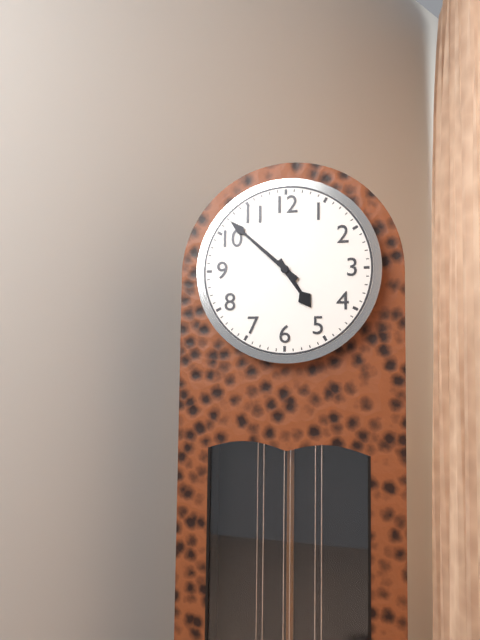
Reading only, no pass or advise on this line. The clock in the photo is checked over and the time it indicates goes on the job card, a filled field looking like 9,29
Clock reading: 4,52
